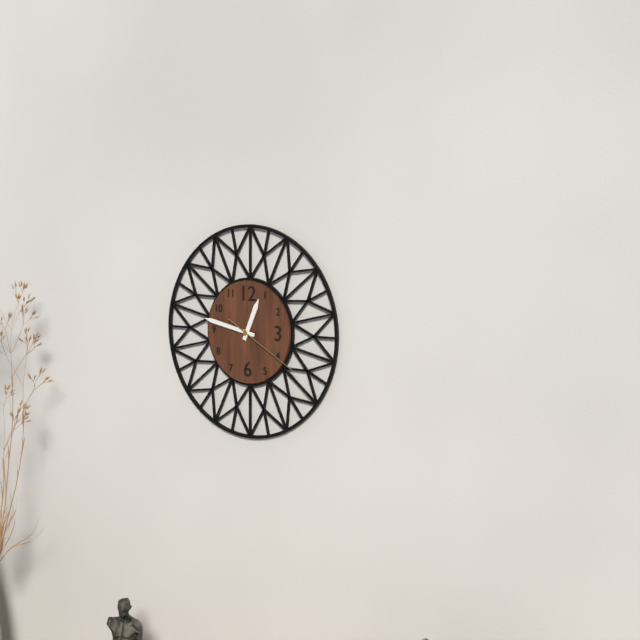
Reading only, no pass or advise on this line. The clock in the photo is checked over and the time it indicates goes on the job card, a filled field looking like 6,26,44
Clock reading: 12,47,20
